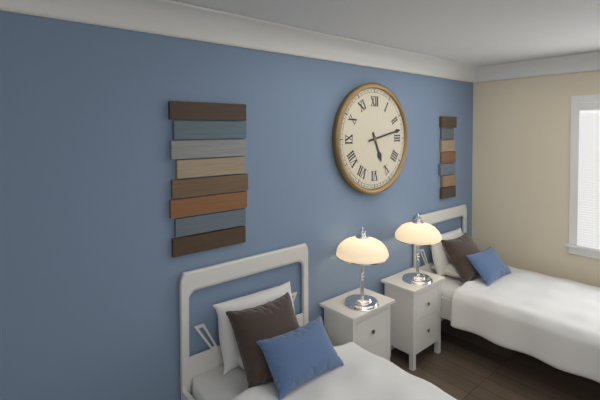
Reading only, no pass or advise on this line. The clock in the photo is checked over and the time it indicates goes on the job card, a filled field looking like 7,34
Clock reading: 5,13
